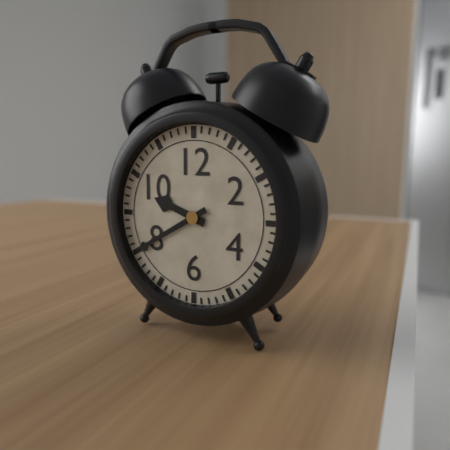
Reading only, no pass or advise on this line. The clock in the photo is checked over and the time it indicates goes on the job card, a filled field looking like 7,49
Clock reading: 9,40
